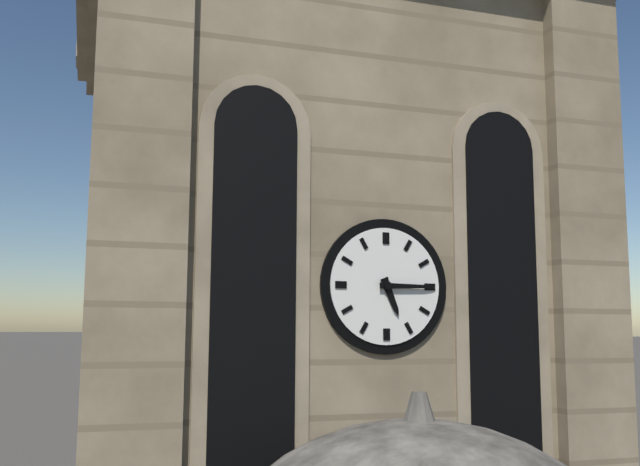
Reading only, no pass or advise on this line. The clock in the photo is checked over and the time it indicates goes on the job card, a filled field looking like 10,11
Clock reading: 5,15
